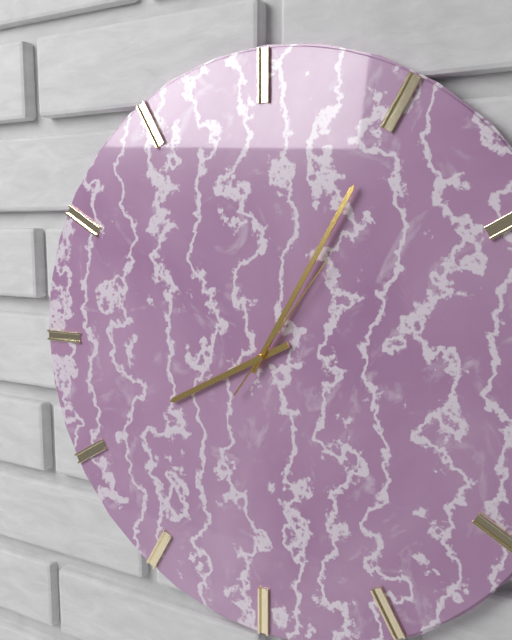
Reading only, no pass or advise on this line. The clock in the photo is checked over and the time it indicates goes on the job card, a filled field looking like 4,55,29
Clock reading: 8,05,06
